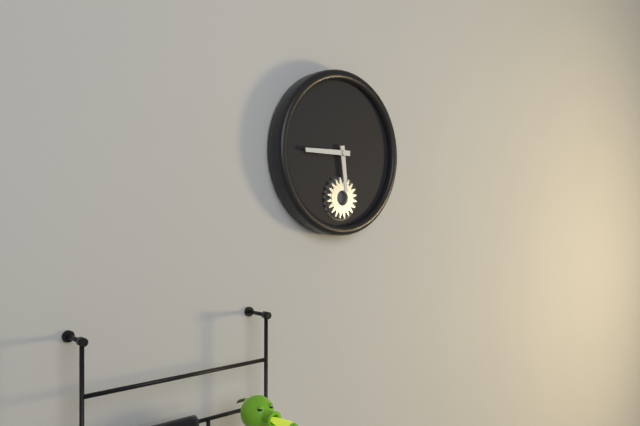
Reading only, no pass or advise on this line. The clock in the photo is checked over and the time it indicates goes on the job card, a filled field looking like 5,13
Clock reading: 5,45
